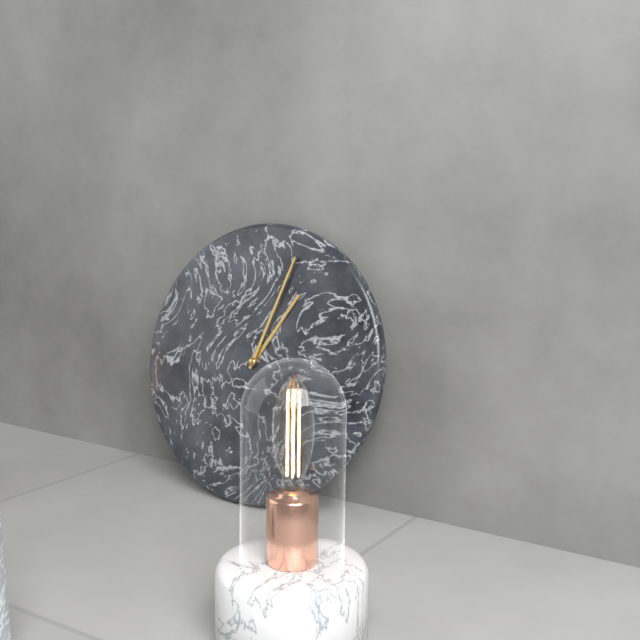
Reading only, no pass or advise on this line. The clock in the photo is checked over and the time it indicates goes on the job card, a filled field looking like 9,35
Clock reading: 1,03
